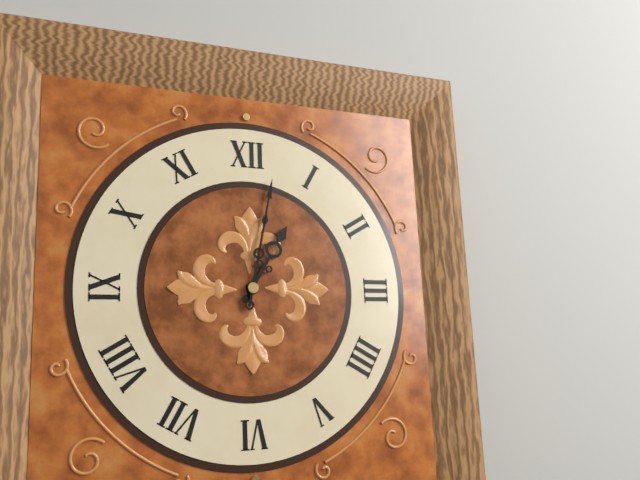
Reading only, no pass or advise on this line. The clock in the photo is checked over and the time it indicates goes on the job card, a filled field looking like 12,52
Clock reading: 1,02
